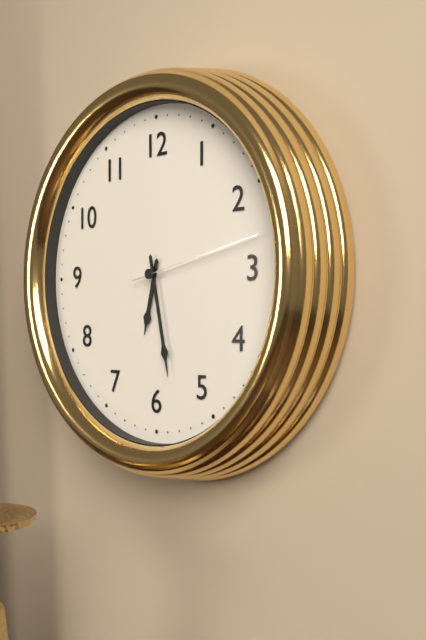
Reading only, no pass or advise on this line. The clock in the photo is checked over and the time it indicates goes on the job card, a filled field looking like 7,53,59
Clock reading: 6,28,13
